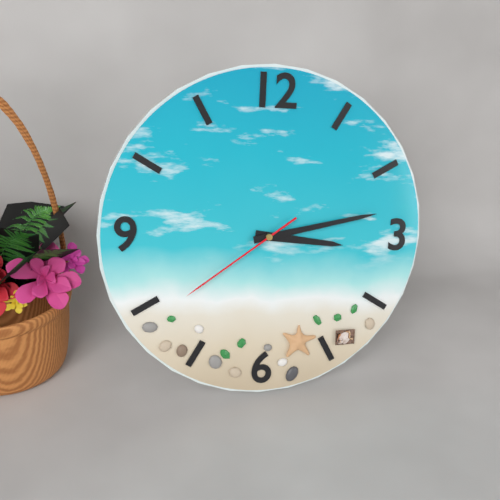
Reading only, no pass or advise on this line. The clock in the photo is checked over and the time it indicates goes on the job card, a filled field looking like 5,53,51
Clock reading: 3,13,39
